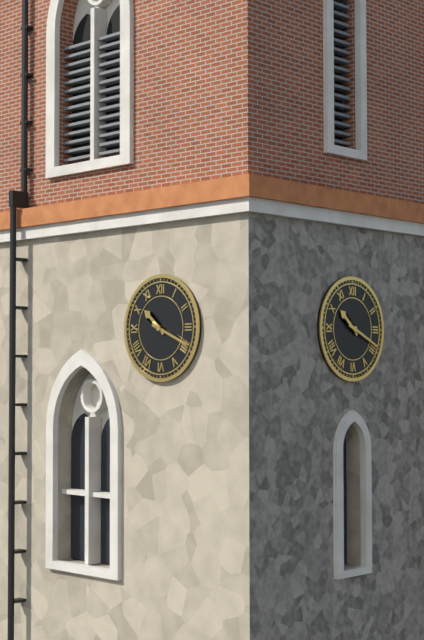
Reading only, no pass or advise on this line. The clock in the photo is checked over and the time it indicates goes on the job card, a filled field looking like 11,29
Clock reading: 10,19
